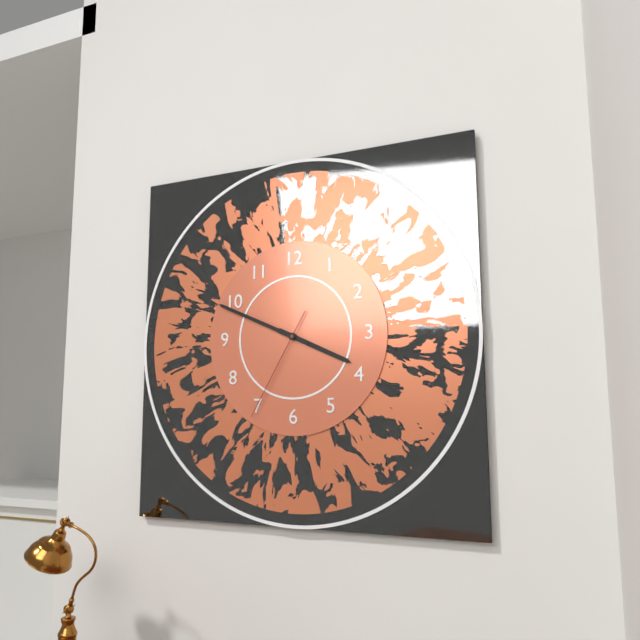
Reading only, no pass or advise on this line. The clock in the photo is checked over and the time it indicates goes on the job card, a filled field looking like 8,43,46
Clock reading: 3,49,35
